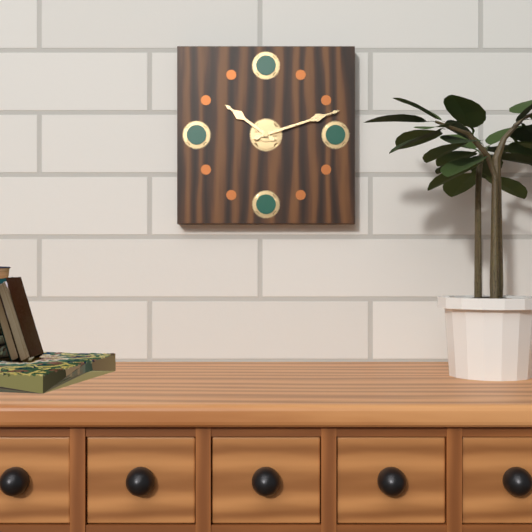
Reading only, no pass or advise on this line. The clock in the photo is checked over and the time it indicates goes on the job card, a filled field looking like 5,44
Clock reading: 10,12
